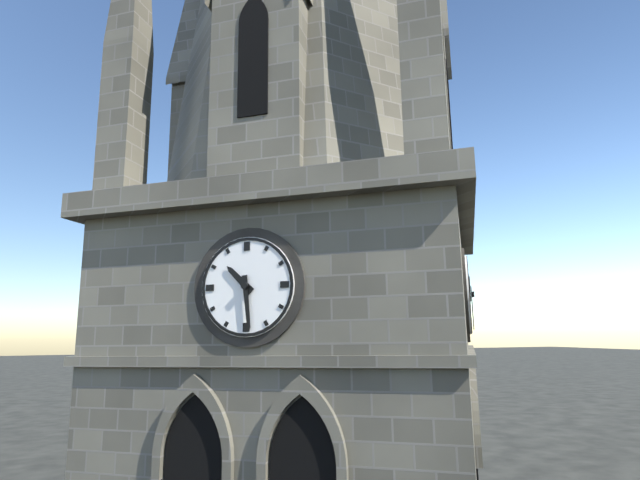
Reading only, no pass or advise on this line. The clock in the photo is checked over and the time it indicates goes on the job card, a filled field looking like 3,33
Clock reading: 10,29
